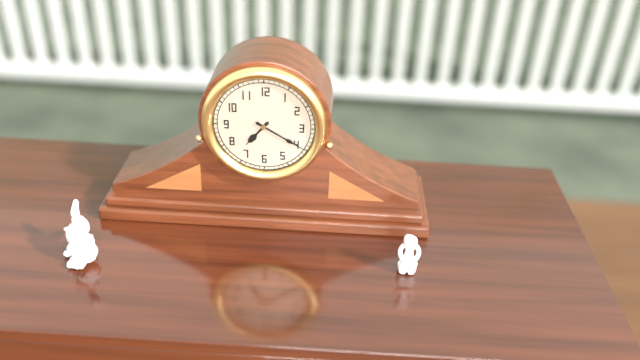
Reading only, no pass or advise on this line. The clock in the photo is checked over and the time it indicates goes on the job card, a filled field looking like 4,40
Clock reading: 7,20
